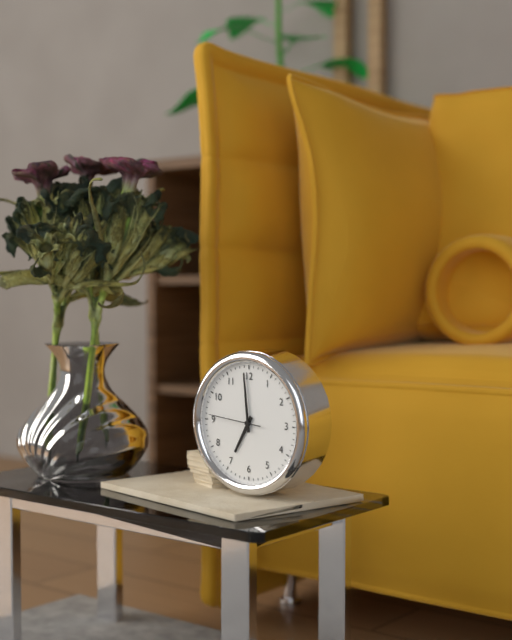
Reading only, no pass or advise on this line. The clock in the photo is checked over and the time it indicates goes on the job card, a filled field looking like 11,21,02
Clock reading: 6,59,46
